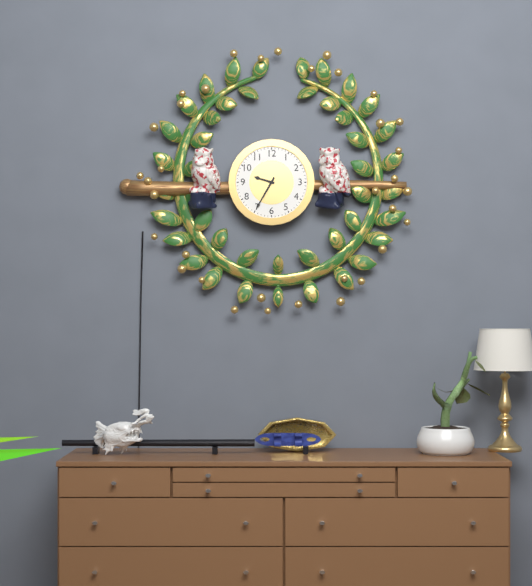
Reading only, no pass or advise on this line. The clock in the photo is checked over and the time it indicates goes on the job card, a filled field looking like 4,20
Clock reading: 9,35
